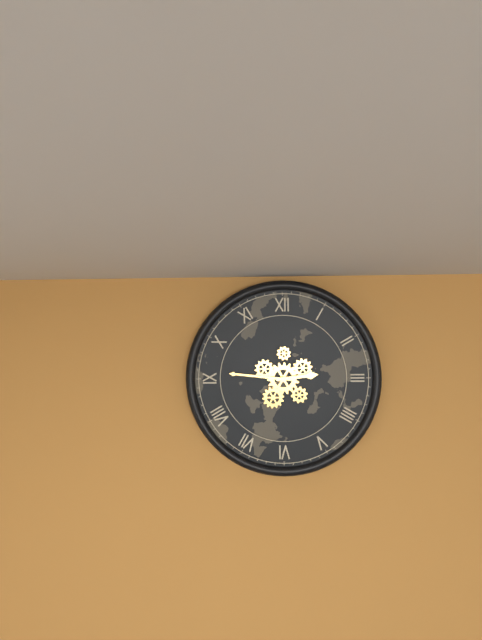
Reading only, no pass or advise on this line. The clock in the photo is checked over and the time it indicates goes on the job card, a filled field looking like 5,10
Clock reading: 2,46
